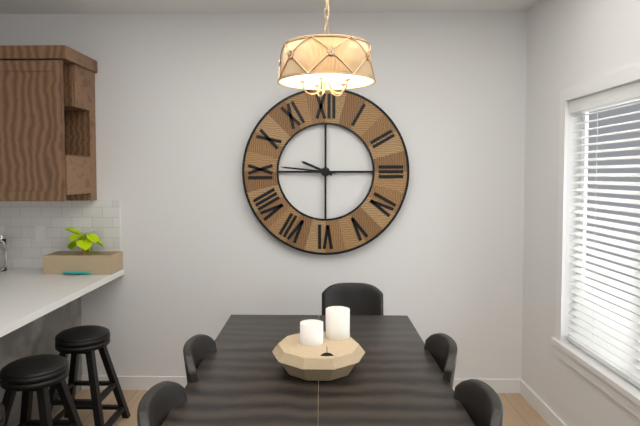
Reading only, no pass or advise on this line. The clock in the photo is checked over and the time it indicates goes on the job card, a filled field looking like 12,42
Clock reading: 9,46
